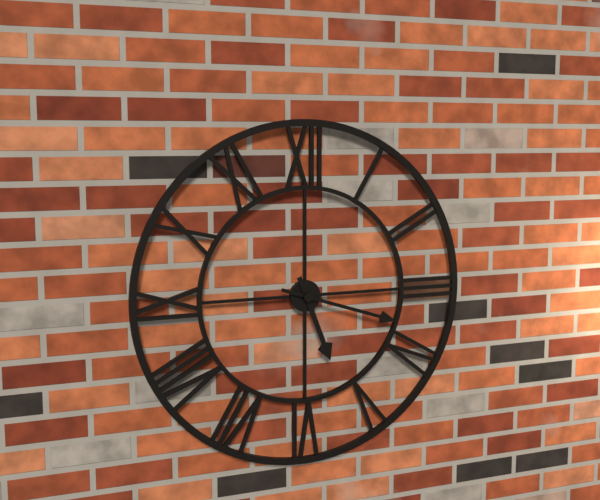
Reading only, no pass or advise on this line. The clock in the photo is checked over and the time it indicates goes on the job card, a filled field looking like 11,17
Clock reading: 5,18
